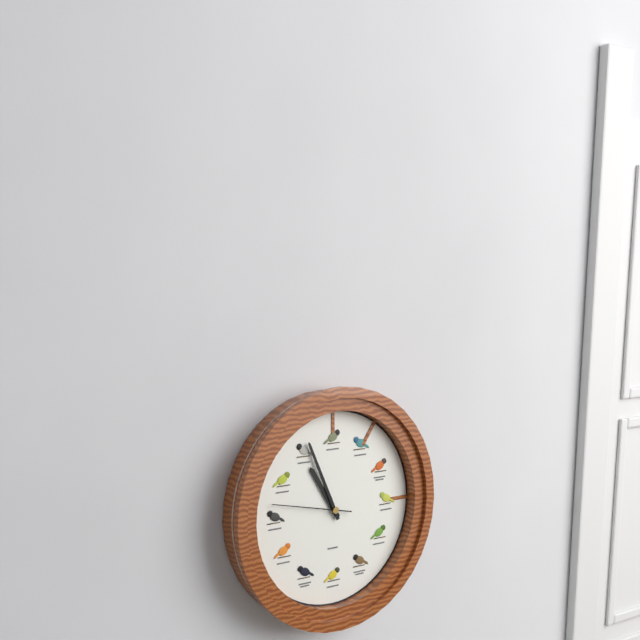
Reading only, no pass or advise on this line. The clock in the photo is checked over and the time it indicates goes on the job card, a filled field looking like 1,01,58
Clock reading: 10,56,47
